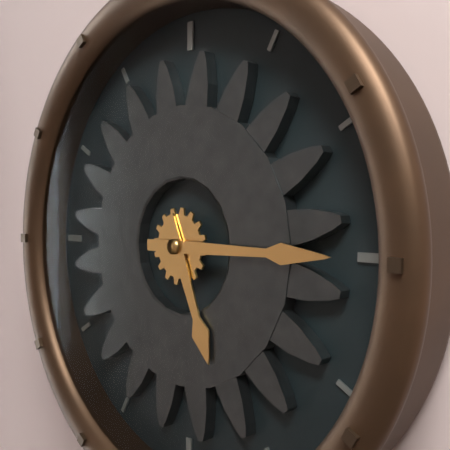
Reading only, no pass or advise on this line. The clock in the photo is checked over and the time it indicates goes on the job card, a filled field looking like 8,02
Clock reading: 5,15
